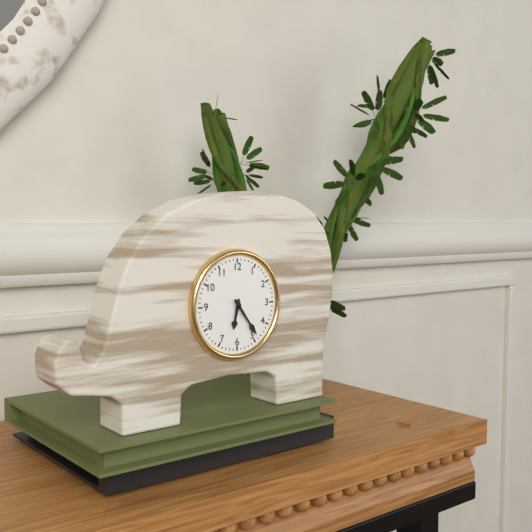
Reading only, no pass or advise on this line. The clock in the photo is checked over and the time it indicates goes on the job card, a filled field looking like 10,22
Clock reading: 6,24
